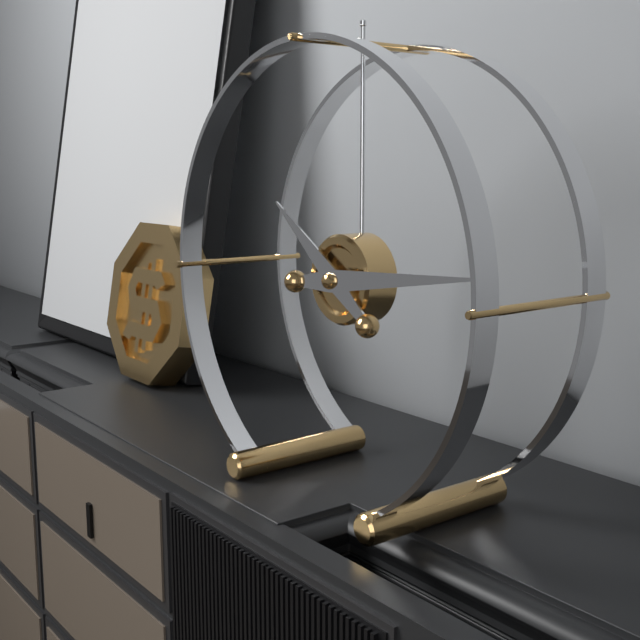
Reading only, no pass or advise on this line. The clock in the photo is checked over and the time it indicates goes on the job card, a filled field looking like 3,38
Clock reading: 10,14
